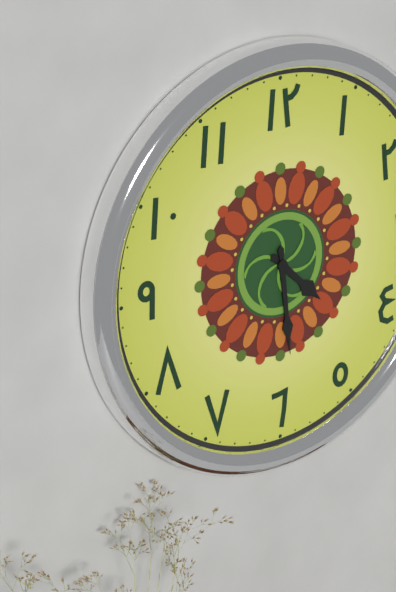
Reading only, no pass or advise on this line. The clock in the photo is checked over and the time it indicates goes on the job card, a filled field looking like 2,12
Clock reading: 4,29
